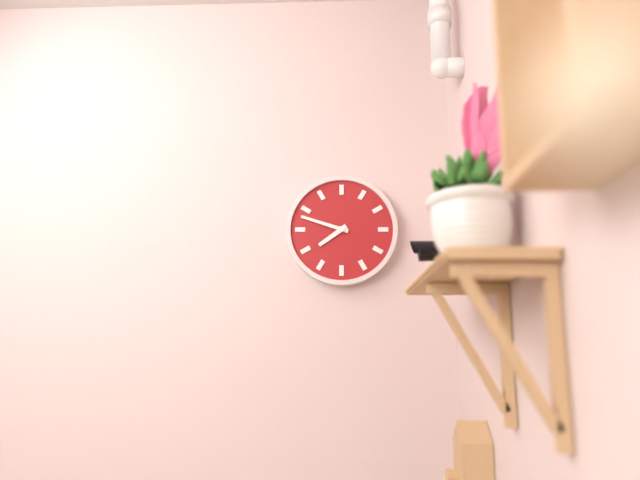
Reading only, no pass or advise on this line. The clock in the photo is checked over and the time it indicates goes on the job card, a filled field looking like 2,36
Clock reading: 7,48
